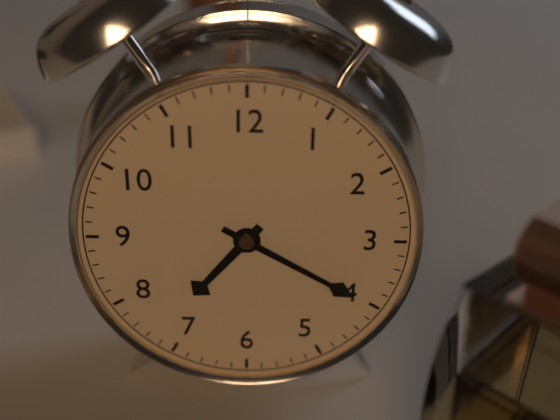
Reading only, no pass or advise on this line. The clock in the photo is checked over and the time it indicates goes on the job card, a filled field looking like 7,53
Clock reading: 7,20
